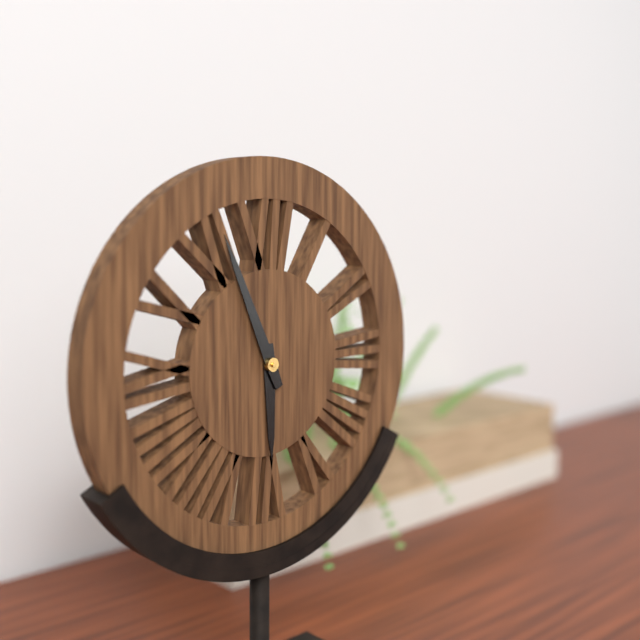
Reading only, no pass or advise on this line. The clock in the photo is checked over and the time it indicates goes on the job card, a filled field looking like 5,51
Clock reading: 5,56
